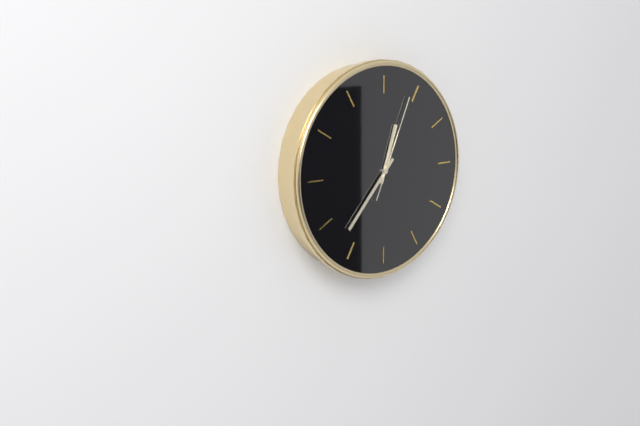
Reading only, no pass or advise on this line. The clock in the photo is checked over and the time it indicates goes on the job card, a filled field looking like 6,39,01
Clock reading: 12,37,04
